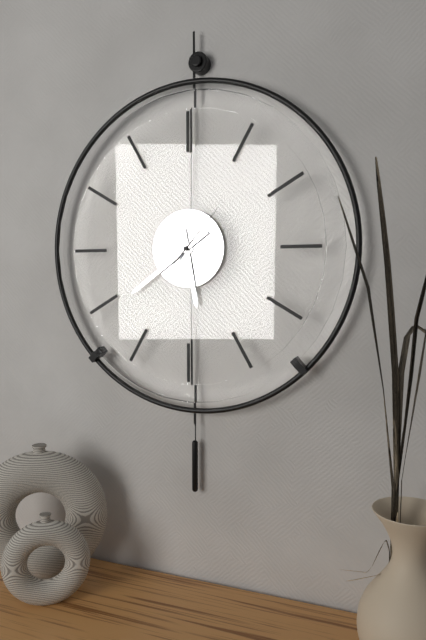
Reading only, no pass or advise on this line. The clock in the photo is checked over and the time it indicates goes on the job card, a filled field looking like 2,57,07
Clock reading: 5,39,07
